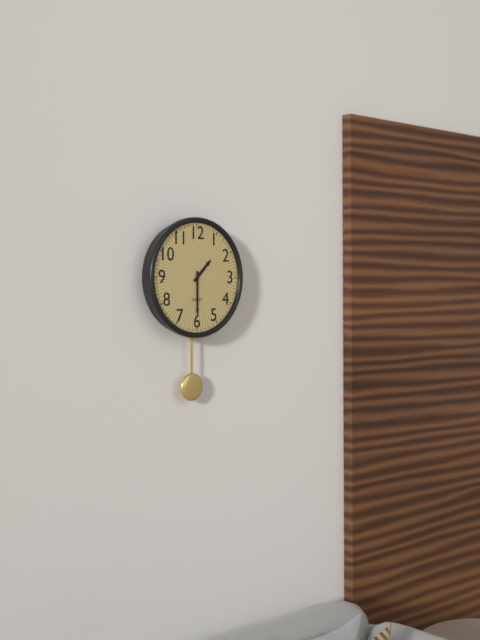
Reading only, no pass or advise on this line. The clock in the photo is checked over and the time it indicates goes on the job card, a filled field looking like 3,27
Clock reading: 1,30
